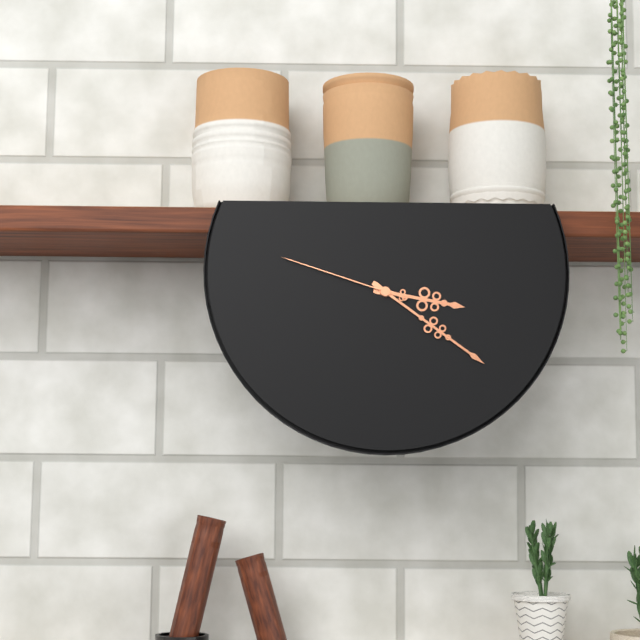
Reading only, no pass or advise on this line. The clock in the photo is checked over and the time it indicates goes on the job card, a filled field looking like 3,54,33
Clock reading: 3,21,48
